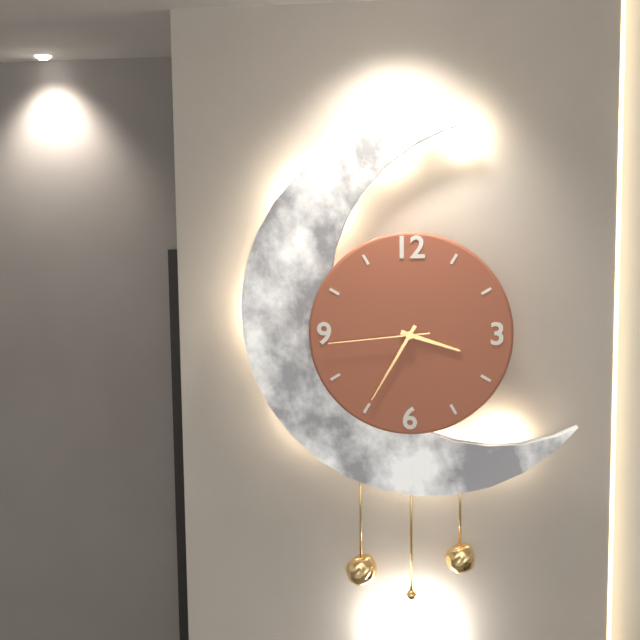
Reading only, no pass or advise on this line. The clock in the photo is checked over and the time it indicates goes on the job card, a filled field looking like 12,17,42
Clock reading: 3,35,44
